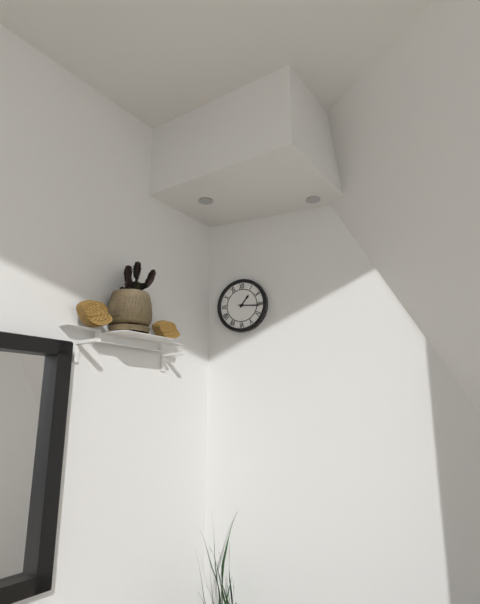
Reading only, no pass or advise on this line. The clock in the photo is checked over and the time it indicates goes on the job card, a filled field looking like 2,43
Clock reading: 1,16
